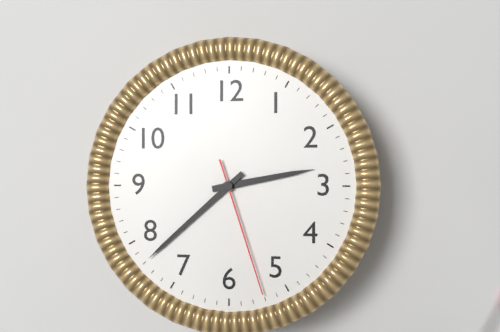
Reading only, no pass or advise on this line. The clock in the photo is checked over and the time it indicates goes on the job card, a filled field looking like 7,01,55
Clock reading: 2,38,27
